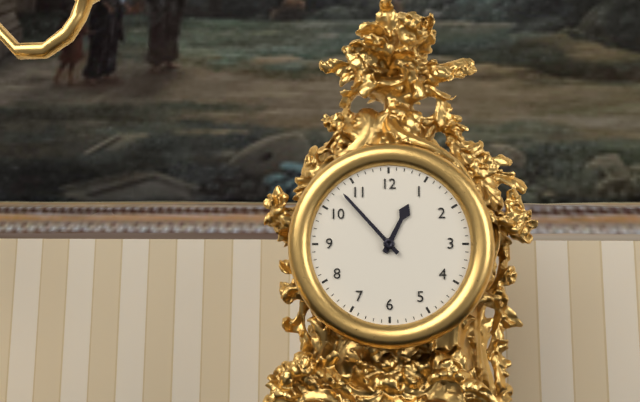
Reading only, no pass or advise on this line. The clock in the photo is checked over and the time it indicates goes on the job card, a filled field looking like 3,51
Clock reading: 12,53
